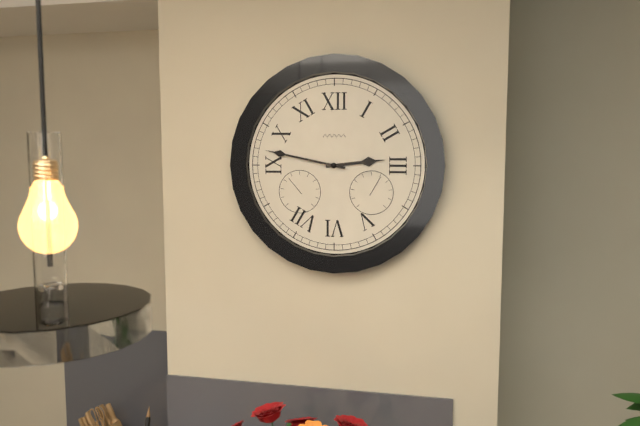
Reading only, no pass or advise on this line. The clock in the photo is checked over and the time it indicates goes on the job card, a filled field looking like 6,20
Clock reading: 2,47
